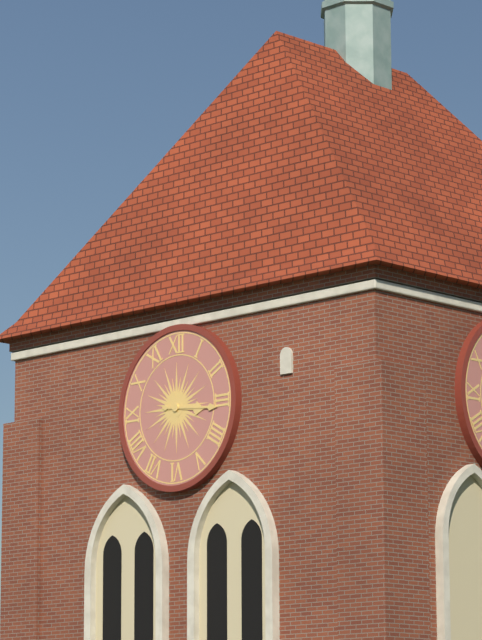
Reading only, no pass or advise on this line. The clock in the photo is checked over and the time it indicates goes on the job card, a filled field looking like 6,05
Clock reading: 3,16
